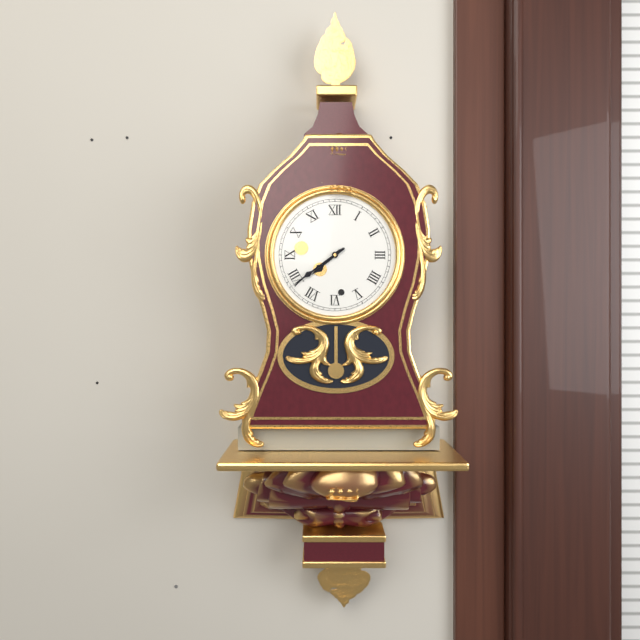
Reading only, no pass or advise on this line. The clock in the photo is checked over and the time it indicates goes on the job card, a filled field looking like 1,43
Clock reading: 7,39
